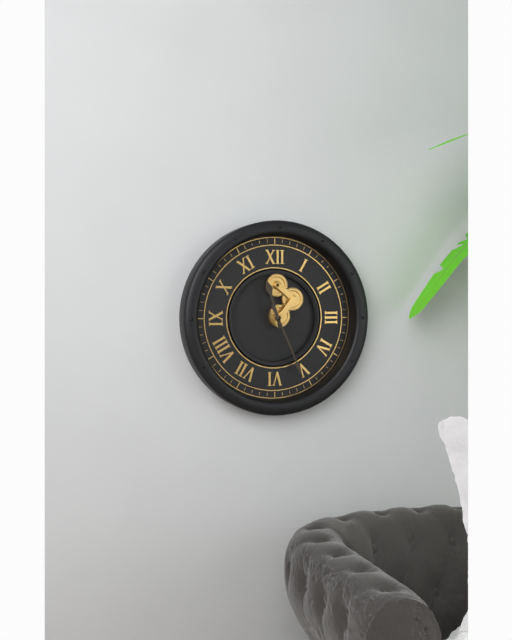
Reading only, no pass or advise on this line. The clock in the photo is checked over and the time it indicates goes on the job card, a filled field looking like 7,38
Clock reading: 11,26
